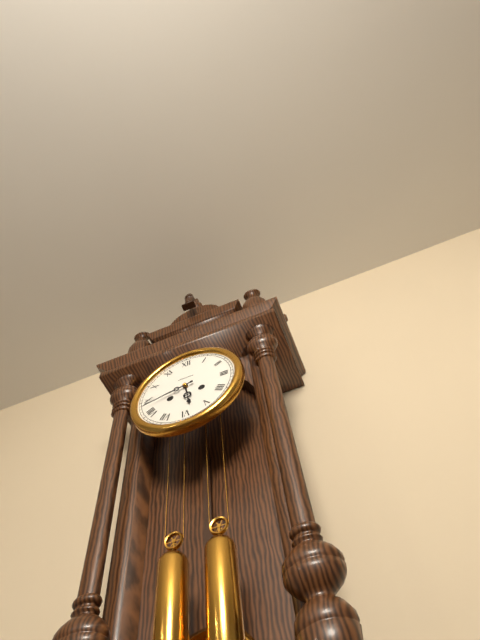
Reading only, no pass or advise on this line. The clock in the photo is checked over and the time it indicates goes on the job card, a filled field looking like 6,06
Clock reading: 5,43
